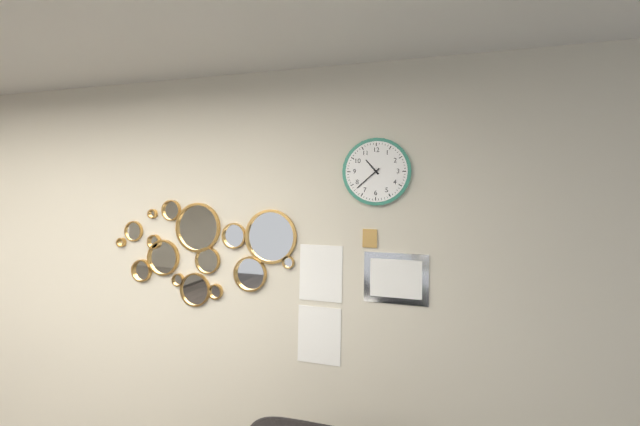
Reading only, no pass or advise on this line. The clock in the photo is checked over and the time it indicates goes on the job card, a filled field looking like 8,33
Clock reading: 10,38
